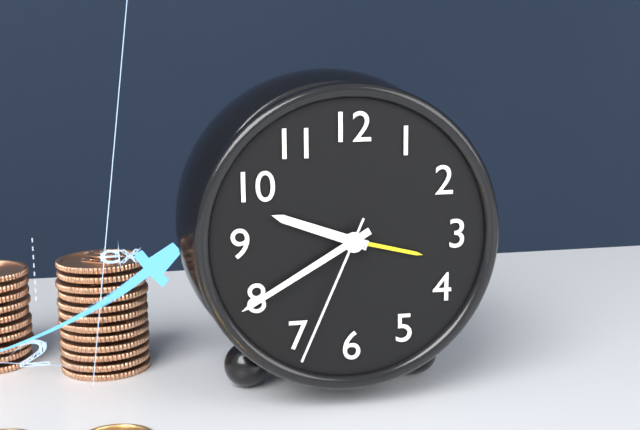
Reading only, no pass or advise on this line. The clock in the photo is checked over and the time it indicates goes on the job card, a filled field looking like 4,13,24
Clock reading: 9,40,34
